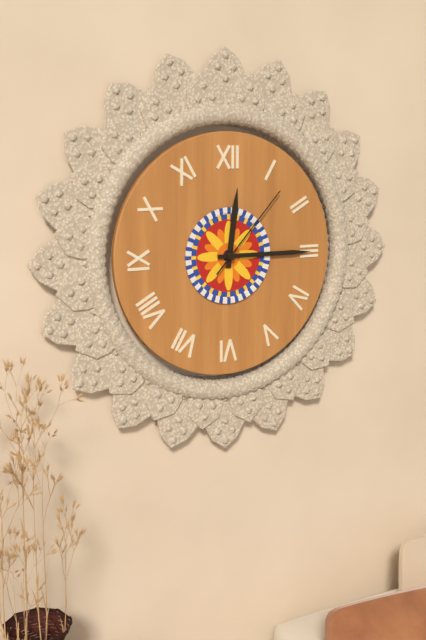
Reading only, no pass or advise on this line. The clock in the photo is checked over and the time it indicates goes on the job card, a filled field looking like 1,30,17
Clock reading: 12,15,07
